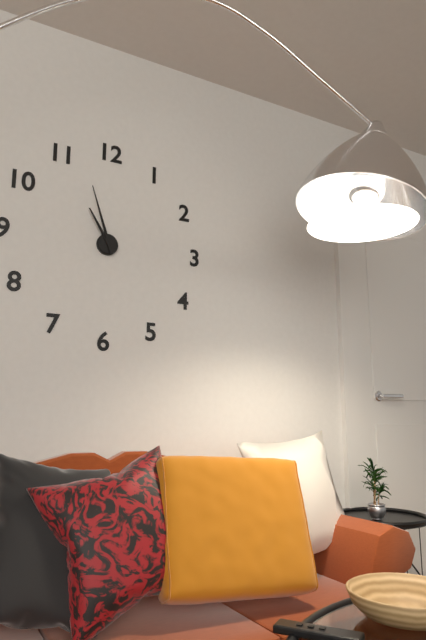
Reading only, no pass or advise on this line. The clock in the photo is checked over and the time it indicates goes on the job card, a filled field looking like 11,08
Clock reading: 10,57
